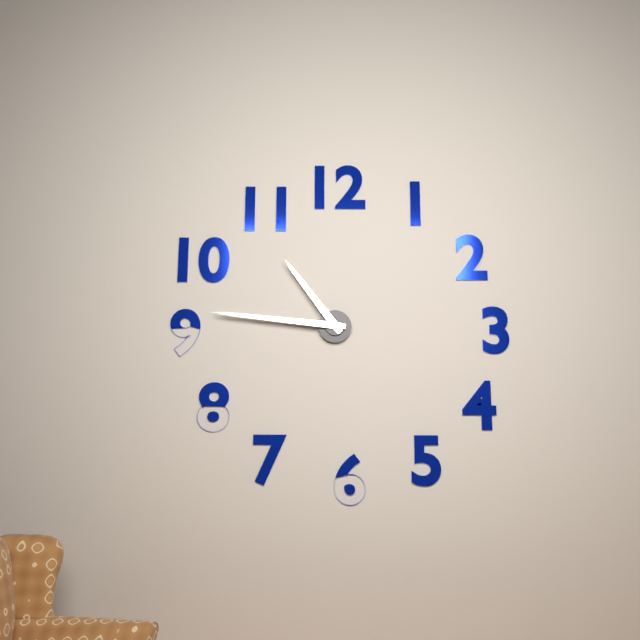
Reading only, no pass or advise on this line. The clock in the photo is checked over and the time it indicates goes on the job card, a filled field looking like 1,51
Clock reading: 10,46
